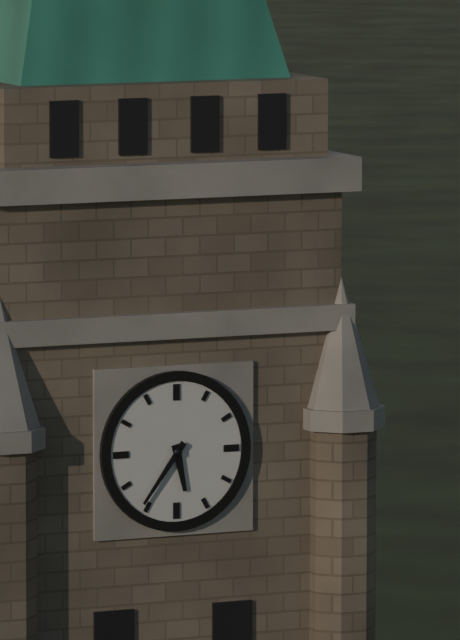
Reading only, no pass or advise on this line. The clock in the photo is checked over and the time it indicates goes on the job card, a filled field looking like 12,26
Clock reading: 5,36
